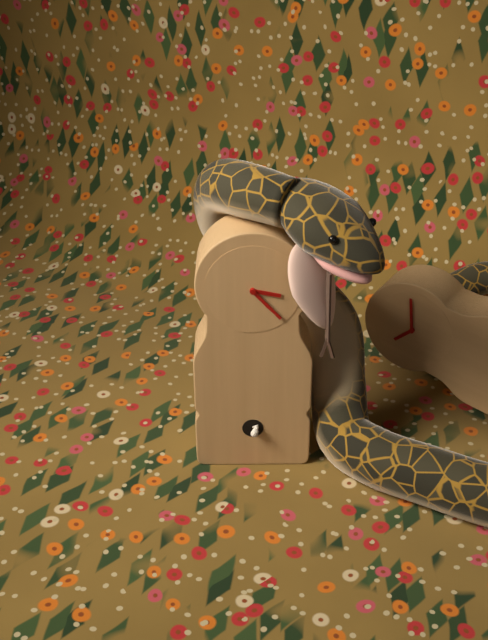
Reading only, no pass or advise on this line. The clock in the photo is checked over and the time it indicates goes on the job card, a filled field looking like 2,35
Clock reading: 3,23
